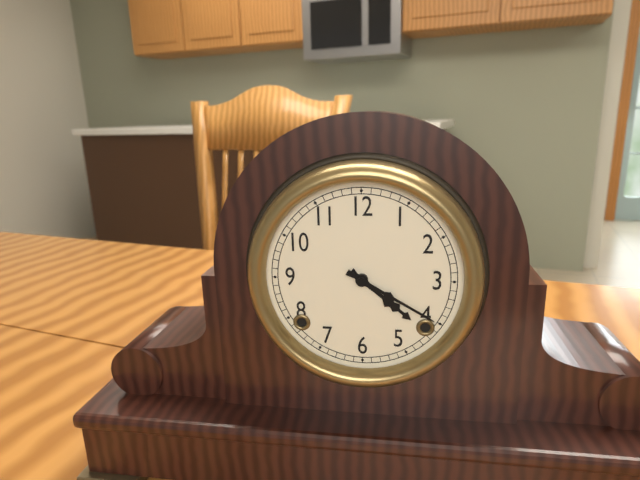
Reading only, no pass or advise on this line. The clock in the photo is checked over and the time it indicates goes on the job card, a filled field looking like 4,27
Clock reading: 4,20
